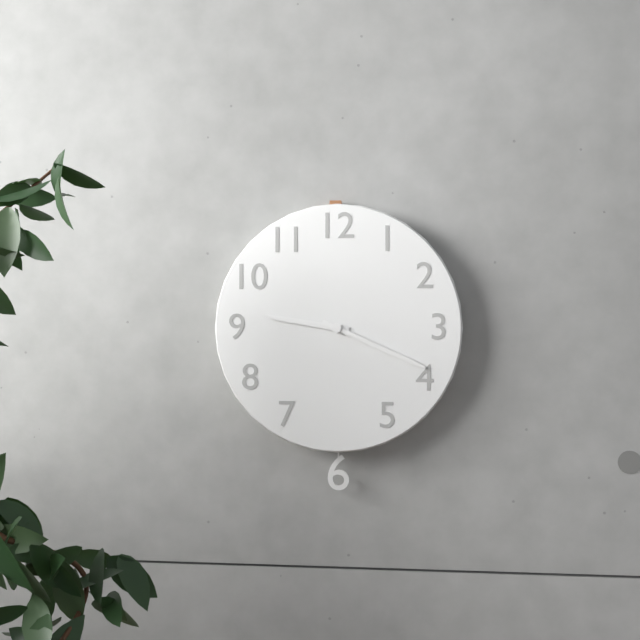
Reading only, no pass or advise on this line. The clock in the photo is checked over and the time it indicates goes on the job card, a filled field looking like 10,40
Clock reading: 9,19
